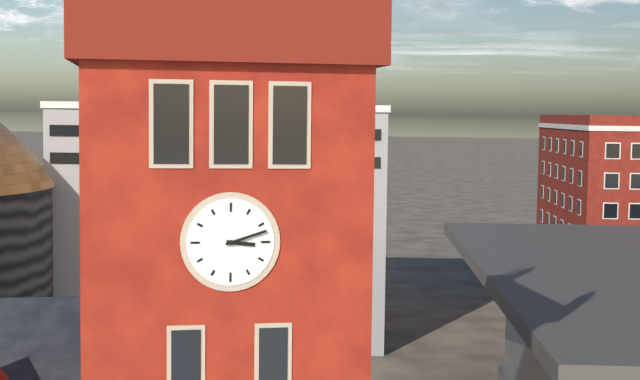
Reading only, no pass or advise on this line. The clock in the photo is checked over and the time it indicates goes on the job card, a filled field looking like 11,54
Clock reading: 3,12
